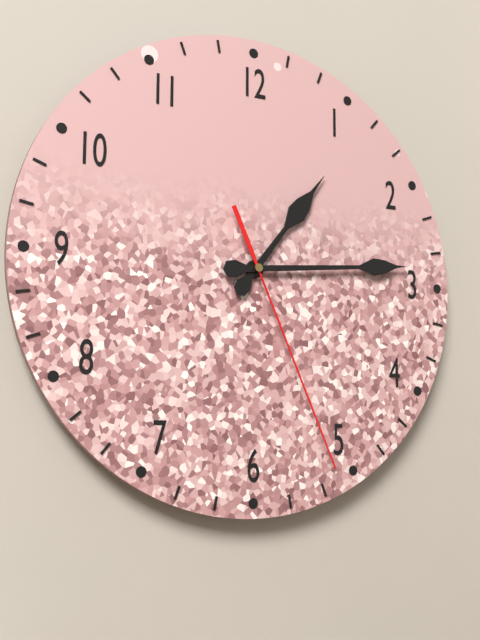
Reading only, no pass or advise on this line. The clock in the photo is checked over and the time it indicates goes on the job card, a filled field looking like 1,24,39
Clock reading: 1,14,26
